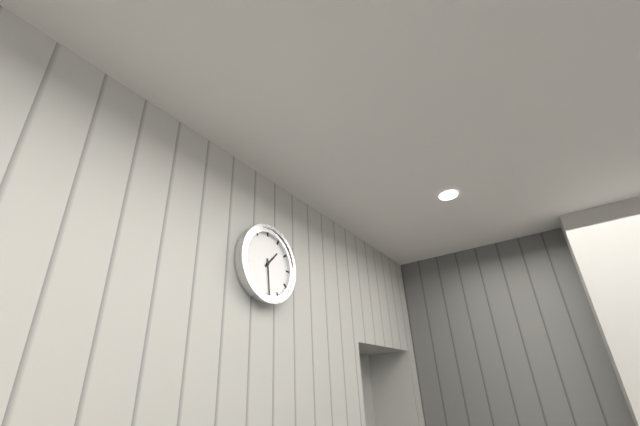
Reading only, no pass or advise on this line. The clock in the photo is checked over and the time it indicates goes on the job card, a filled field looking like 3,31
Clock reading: 1,29
